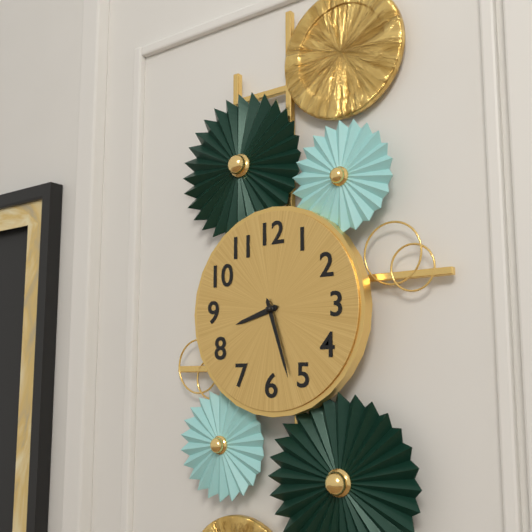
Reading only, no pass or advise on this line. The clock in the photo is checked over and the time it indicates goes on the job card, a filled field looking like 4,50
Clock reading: 8,27
